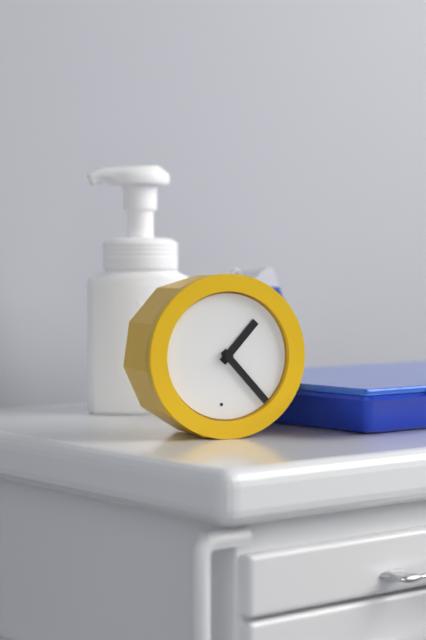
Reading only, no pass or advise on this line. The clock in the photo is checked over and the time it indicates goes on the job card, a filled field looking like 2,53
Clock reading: 1,23
